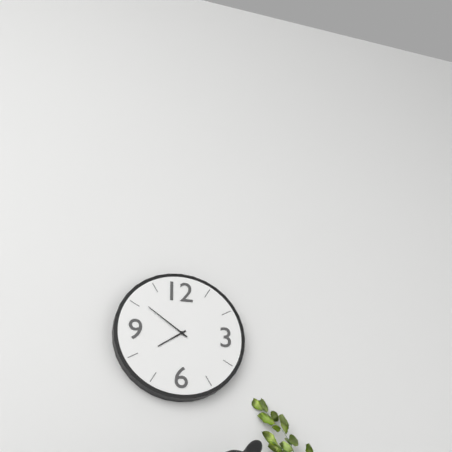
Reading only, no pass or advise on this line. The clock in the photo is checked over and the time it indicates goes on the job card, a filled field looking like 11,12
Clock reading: 7,51
